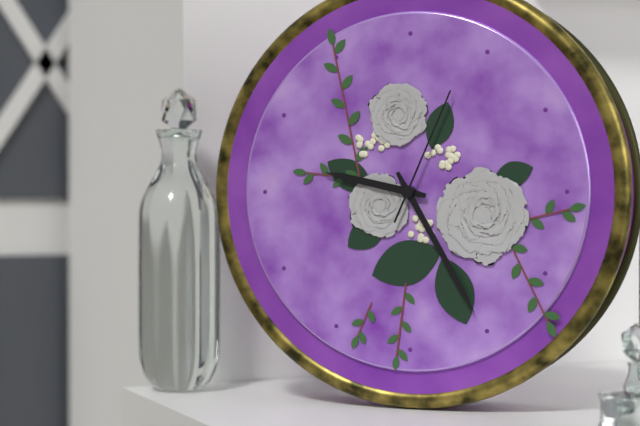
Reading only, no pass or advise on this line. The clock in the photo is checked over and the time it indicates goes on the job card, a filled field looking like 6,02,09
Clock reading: 9,25,04
